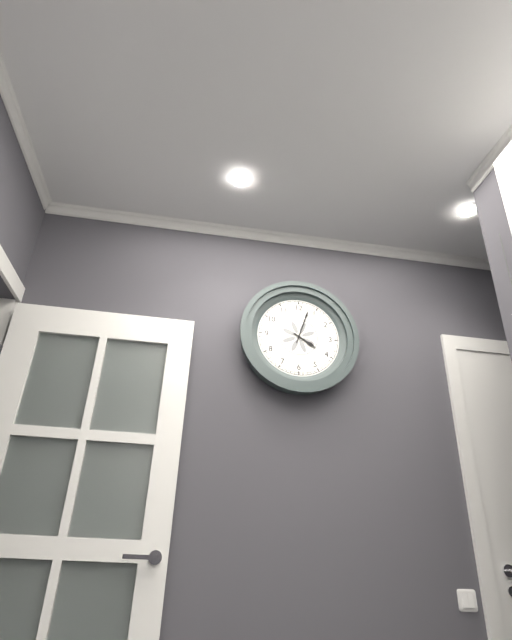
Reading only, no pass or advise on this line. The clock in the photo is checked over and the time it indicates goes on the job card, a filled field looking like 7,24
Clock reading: 4,03
